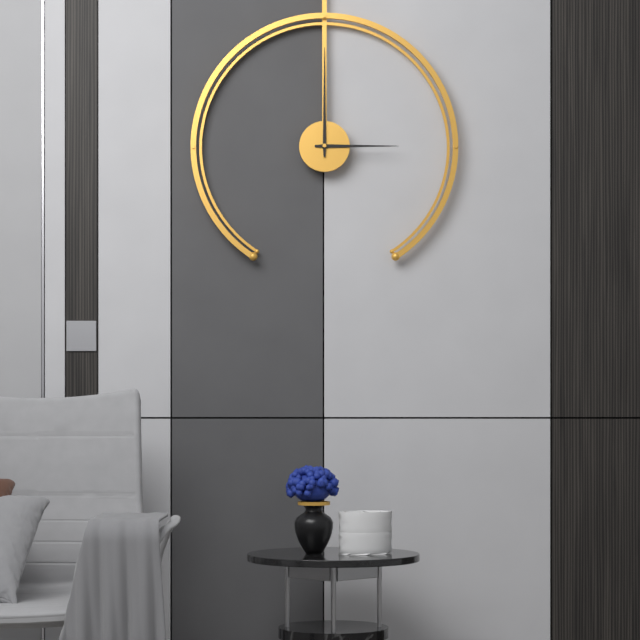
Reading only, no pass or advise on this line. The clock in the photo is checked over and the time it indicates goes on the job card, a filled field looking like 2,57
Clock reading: 3,00
